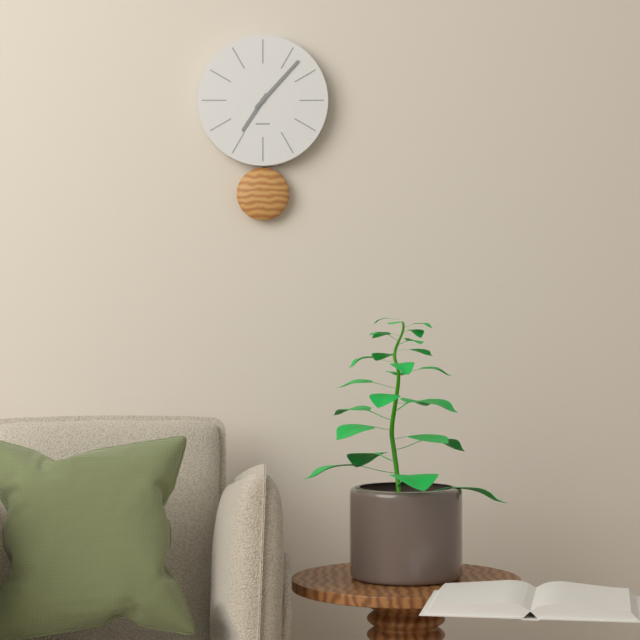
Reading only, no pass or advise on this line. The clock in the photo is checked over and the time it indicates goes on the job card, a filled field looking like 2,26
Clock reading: 7,07
